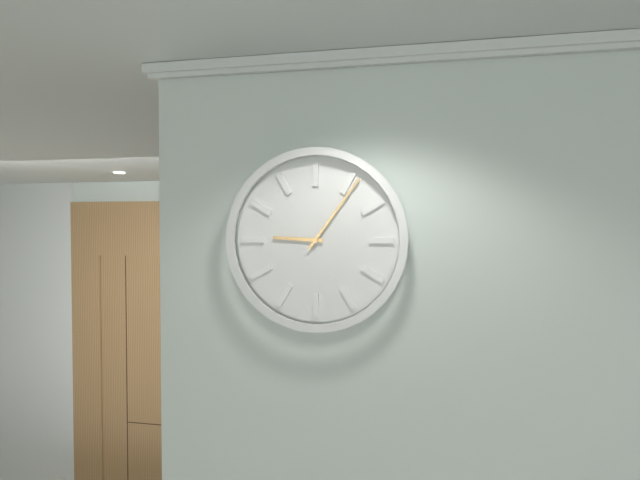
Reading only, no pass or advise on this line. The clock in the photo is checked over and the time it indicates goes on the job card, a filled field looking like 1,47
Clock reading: 9,06
